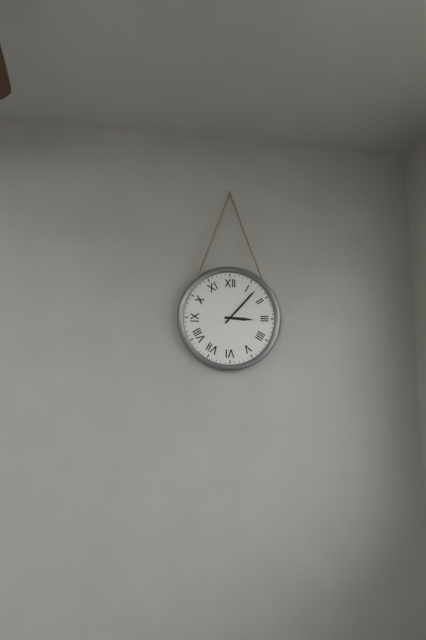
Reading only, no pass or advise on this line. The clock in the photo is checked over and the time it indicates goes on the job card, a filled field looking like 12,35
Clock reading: 3,07
